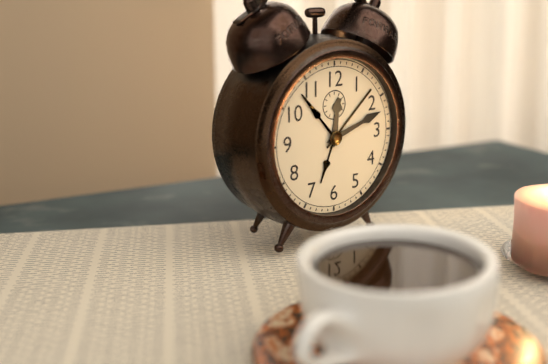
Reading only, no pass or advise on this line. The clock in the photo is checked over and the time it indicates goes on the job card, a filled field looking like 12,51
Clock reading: 12,12
